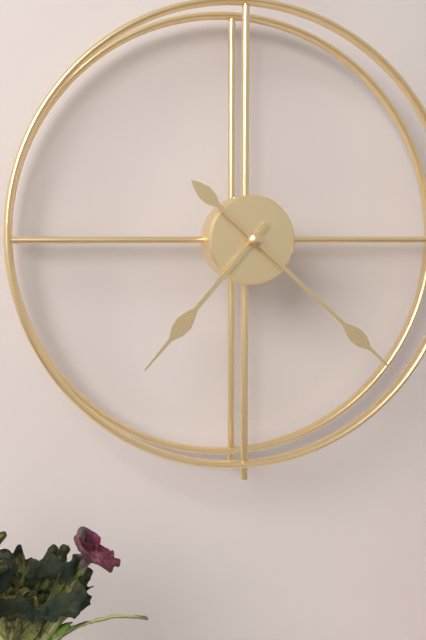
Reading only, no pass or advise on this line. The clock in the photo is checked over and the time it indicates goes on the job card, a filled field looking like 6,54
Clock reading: 7,22
